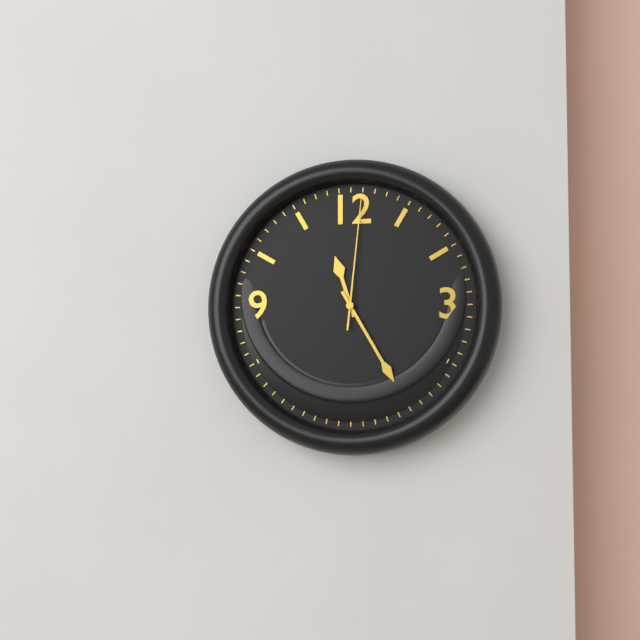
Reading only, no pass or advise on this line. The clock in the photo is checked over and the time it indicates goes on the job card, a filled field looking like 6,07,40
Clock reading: 11,25,01
